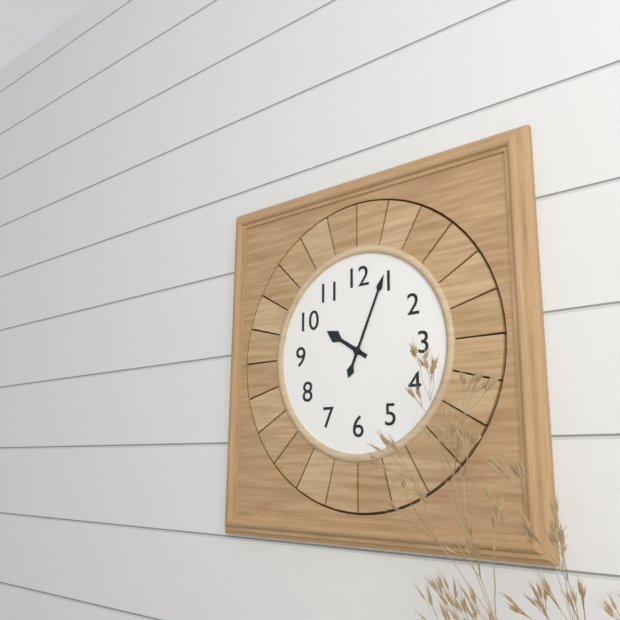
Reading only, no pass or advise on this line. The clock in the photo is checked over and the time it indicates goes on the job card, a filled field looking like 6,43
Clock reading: 10,04
